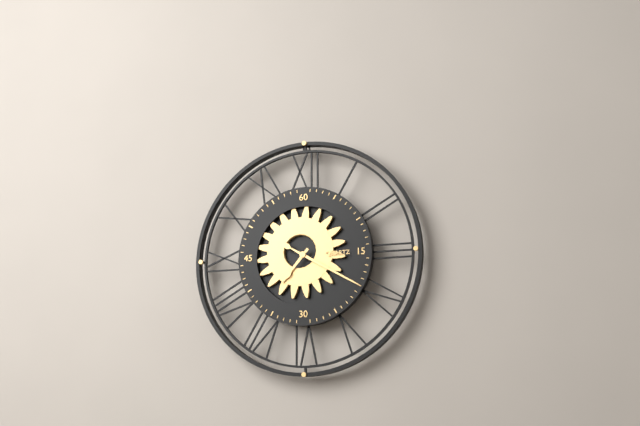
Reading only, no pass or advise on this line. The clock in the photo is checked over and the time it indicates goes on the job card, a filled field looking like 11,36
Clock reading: 7,20
